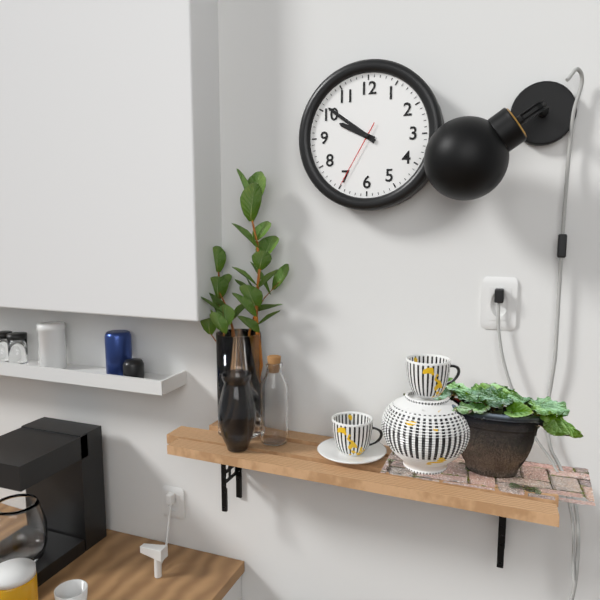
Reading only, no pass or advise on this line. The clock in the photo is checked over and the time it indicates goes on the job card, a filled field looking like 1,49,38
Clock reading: 9,51,35
